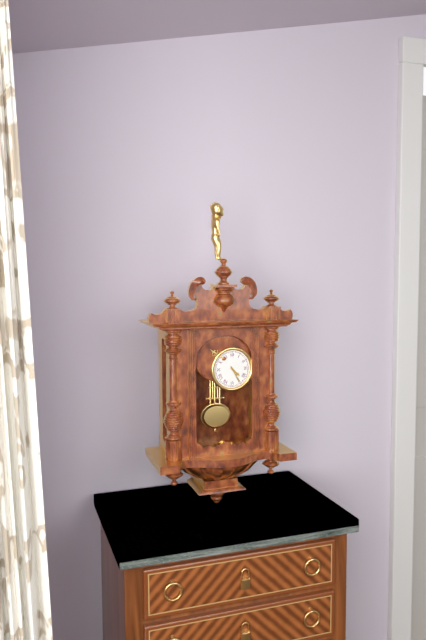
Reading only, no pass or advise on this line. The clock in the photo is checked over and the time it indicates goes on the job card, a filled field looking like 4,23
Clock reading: 4,25
